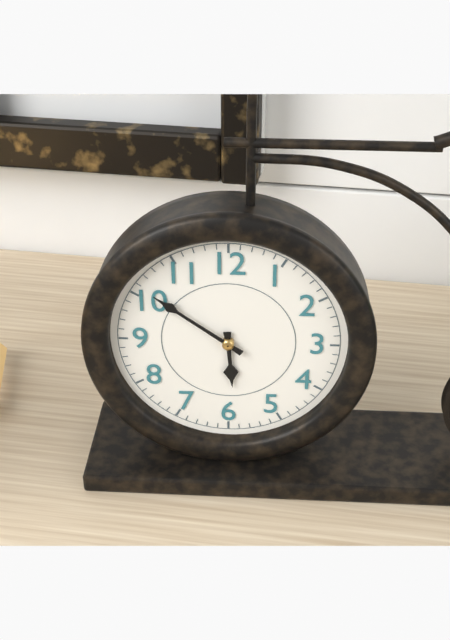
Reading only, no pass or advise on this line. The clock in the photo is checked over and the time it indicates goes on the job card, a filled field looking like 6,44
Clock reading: 5,51
